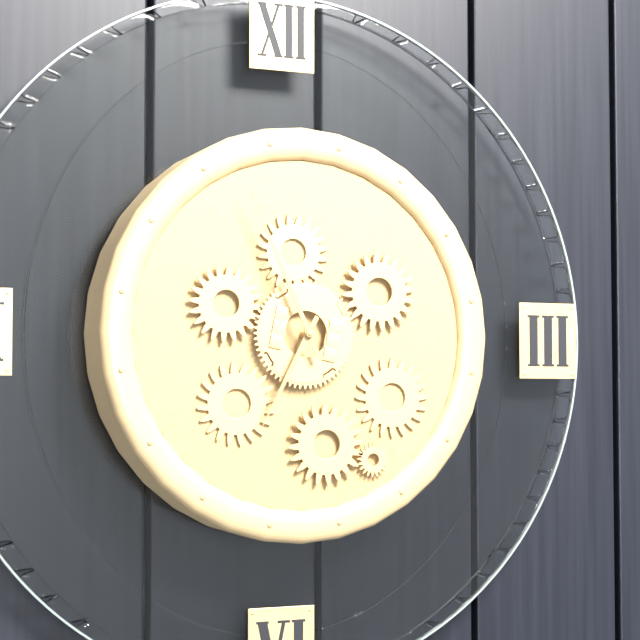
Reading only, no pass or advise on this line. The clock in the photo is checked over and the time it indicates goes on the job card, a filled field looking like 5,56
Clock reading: 6,56
